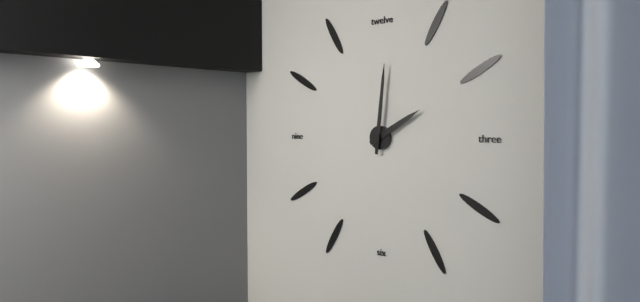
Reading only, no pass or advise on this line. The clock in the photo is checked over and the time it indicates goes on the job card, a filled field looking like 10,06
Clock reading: 2,01
